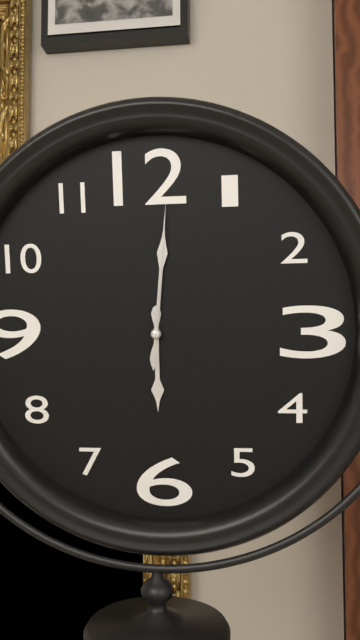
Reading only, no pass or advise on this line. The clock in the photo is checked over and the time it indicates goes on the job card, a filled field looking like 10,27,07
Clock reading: 6,01,01
